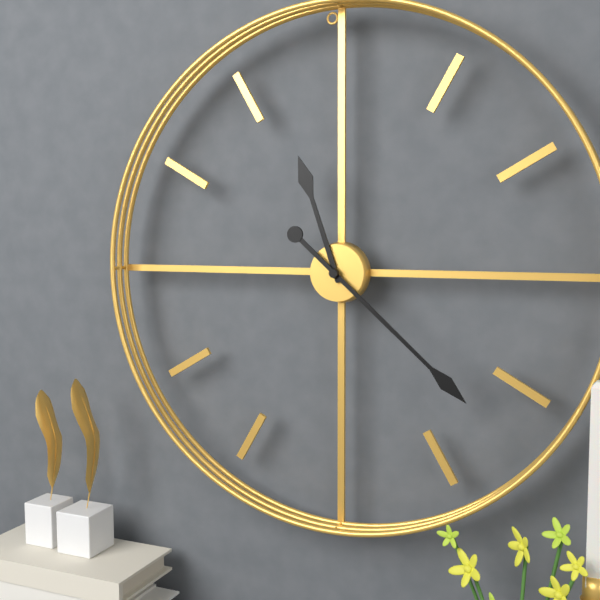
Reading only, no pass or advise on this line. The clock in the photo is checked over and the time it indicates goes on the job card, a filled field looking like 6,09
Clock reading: 11,22
